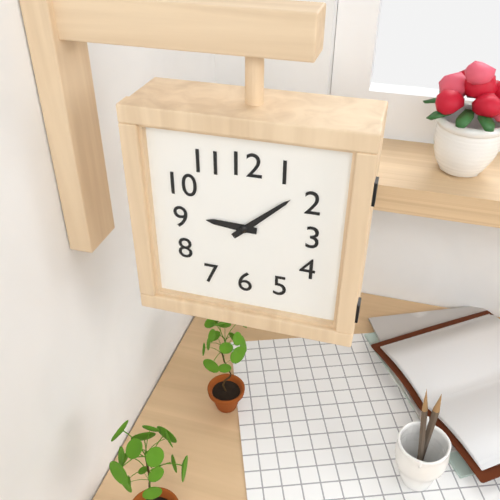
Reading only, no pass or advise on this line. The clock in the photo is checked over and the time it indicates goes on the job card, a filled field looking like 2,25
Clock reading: 9,08
